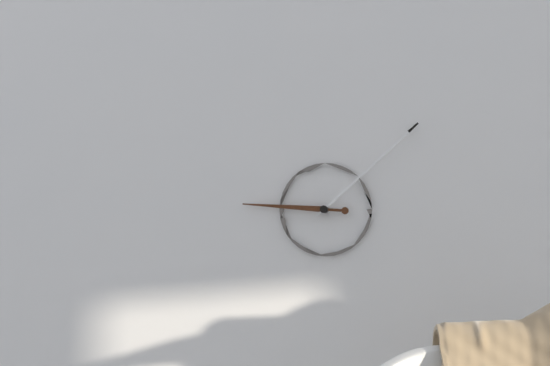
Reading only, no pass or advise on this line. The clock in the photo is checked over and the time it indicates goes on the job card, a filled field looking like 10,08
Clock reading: 9,08
